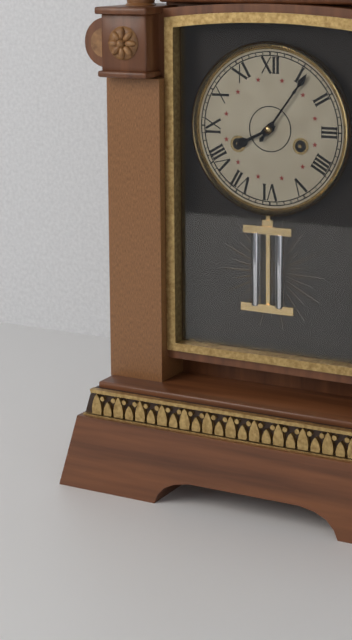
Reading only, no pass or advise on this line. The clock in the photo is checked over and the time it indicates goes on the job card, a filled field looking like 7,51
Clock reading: 8,06
